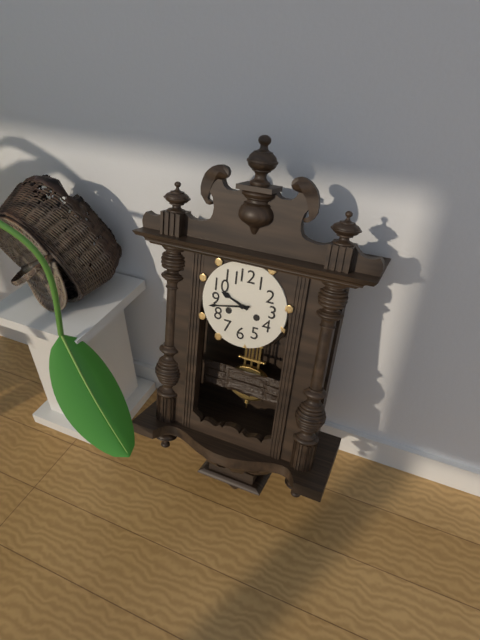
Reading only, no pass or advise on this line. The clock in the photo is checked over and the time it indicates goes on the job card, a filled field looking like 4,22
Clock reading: 9,43
